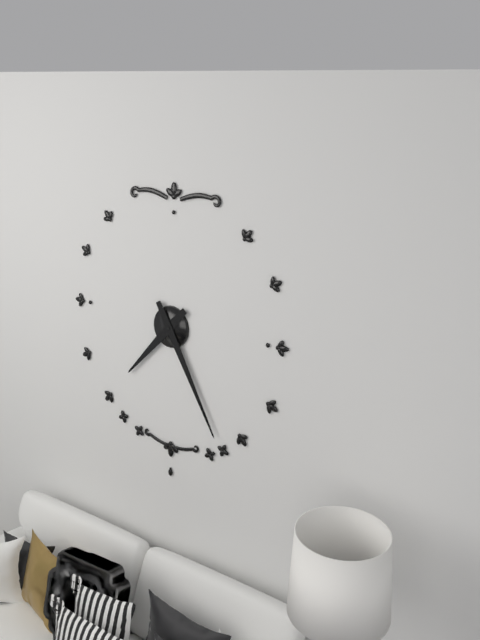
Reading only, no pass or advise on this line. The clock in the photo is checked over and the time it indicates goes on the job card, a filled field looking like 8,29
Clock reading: 7,25
